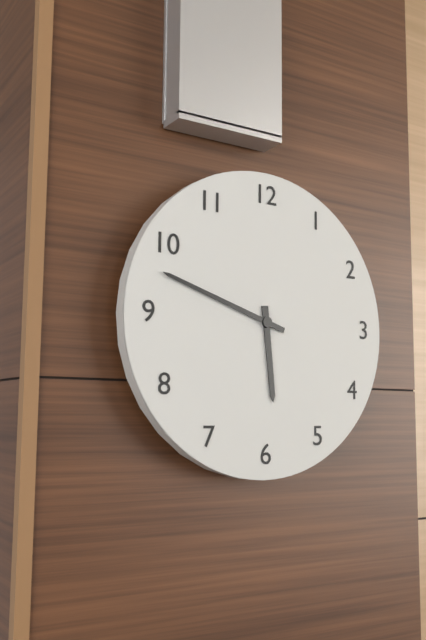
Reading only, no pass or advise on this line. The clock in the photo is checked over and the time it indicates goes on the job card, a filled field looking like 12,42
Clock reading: 5,48
